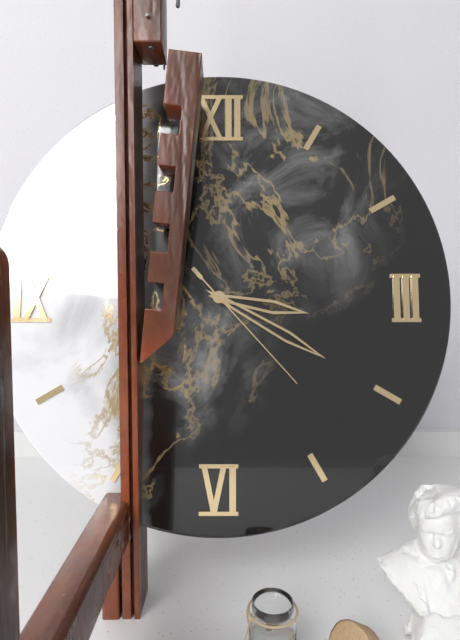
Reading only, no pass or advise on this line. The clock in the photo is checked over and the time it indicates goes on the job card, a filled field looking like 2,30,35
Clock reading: 3,20,23
